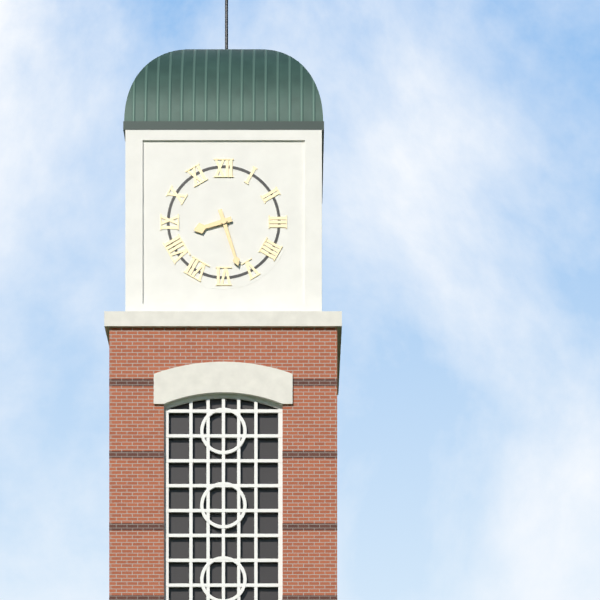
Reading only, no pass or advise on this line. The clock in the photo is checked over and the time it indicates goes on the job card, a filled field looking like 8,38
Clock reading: 8,27
